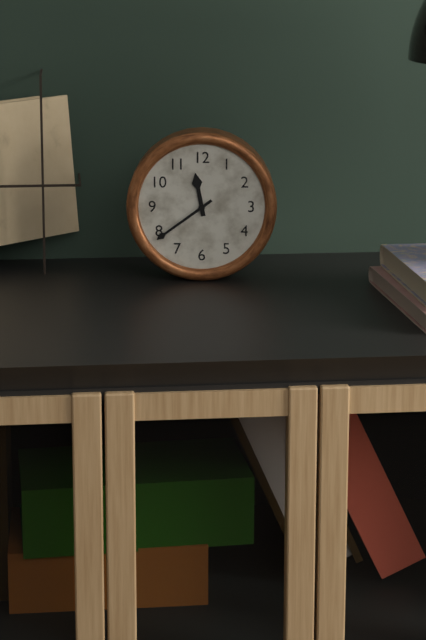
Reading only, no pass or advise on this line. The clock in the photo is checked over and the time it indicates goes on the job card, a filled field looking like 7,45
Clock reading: 11,39
